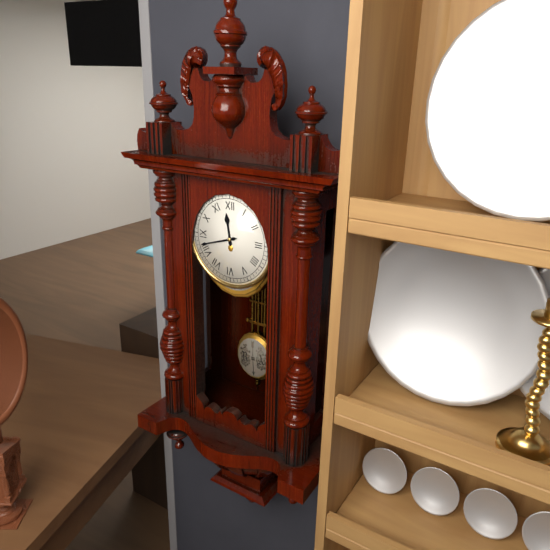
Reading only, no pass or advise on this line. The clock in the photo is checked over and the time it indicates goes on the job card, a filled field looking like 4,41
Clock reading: 11,42
